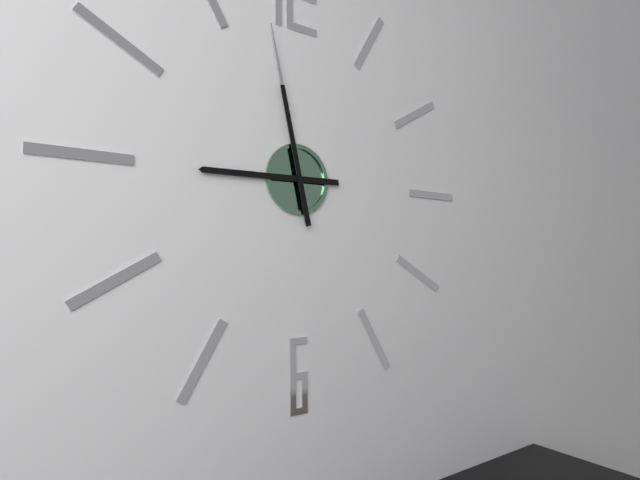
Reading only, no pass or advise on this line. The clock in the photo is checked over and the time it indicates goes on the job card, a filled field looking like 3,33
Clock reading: 8,58
